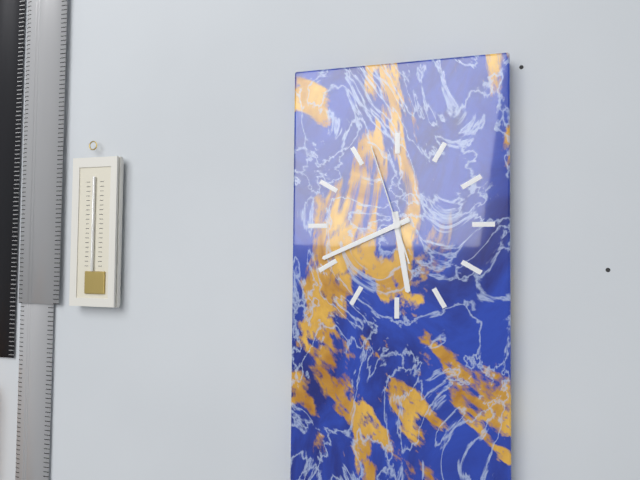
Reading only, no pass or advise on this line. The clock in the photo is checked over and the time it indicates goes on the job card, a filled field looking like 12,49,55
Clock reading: 5,41,57
